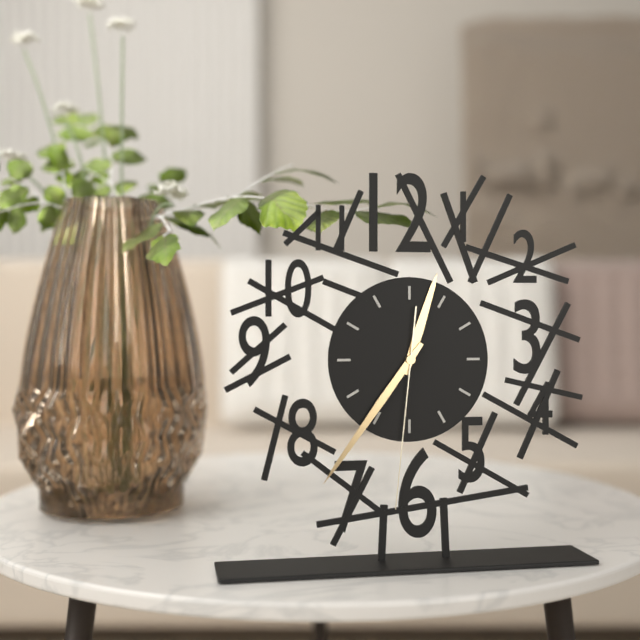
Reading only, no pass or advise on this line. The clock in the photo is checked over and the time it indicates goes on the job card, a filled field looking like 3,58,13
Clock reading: 12,36,31
